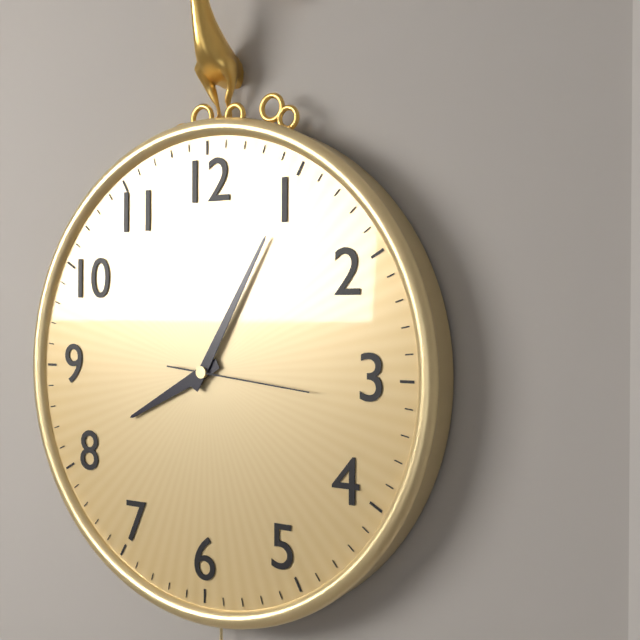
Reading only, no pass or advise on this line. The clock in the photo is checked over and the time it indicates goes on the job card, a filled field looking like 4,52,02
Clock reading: 8,05,16
